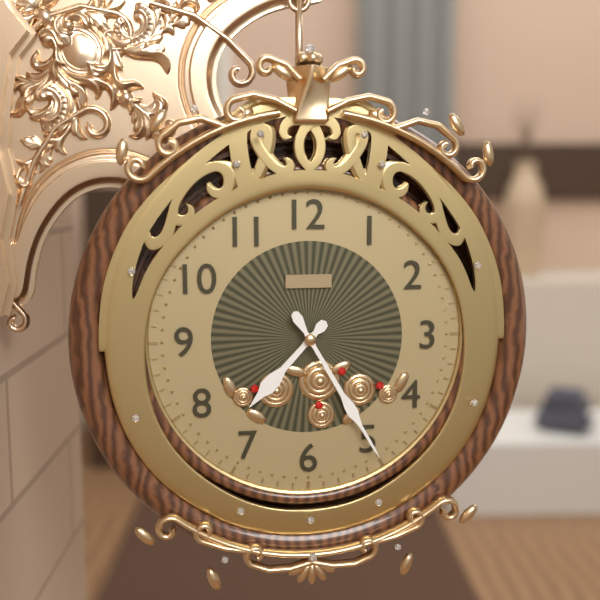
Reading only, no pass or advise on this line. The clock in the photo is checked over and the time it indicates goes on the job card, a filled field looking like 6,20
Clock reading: 7,25
